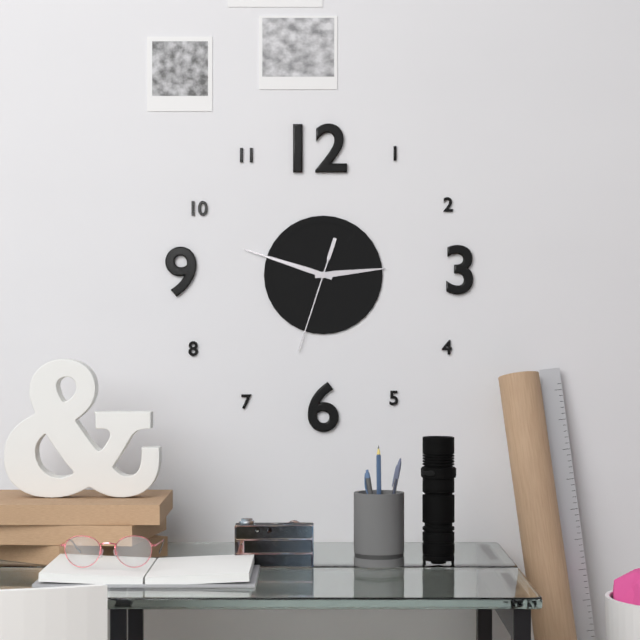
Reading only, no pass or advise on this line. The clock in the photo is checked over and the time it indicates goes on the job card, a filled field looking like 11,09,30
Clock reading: 2,48,33
